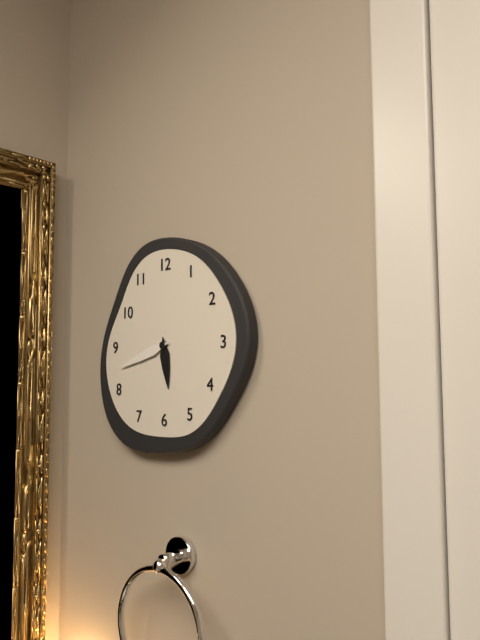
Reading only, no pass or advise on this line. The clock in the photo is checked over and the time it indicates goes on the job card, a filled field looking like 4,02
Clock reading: 5,42
